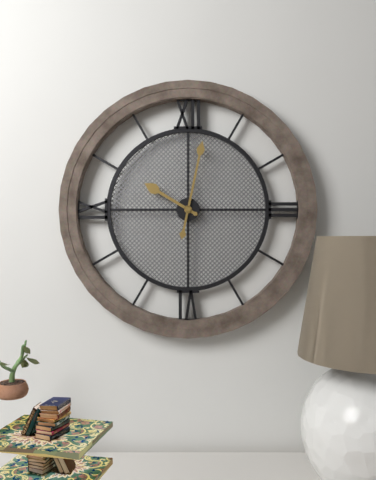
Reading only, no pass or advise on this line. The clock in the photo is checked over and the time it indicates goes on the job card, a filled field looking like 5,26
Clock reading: 10,02
